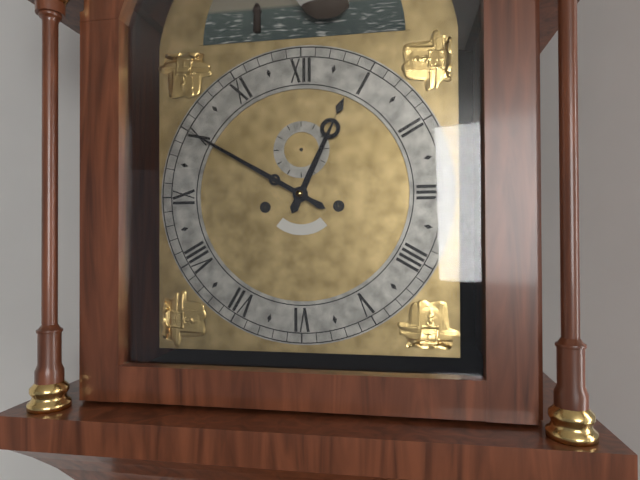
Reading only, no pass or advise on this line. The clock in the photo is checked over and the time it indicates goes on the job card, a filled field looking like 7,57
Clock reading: 12,50
